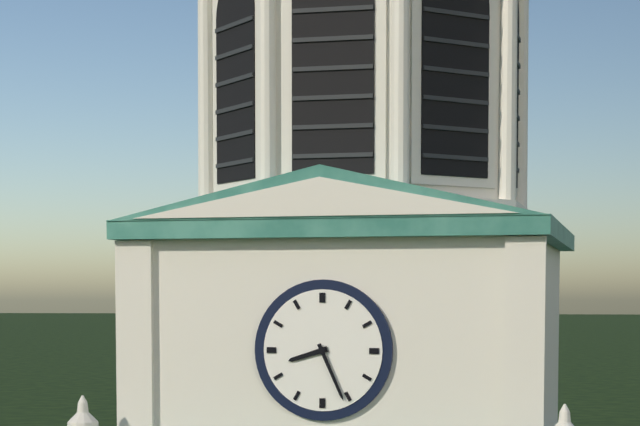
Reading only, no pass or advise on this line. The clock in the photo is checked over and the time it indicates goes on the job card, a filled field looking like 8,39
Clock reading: 8,26
